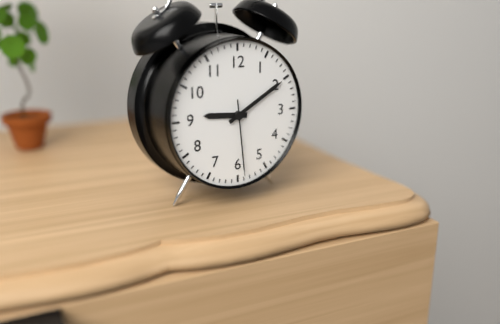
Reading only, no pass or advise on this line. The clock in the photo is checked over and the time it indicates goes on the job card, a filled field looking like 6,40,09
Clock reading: 9,10,29
